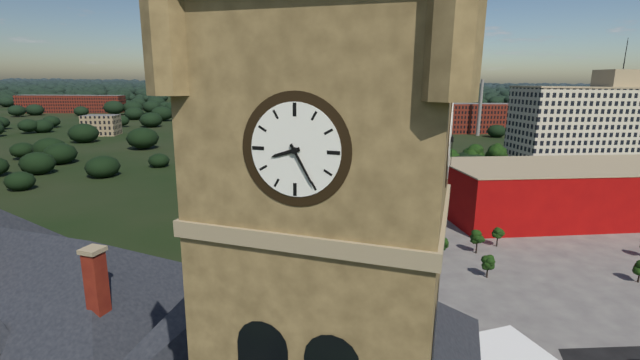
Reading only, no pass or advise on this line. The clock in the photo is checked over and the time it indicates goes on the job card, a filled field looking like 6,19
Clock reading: 8,25
